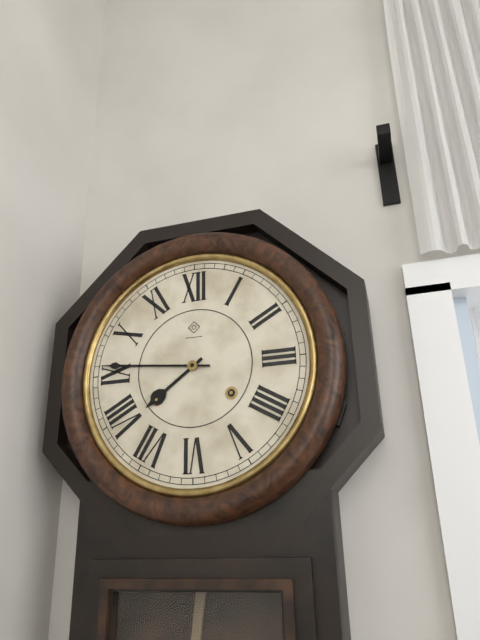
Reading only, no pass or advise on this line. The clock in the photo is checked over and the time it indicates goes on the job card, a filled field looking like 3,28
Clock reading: 7,46
